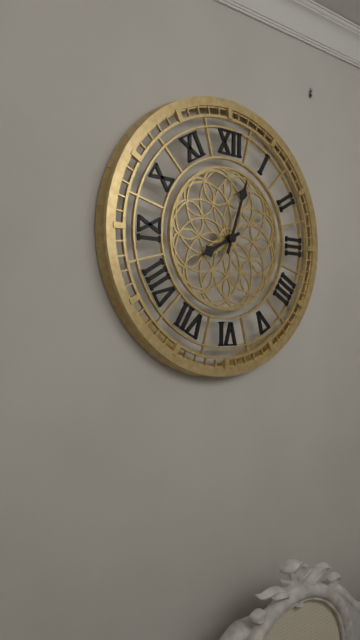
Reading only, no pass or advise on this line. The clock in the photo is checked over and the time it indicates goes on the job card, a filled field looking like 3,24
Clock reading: 8,03
